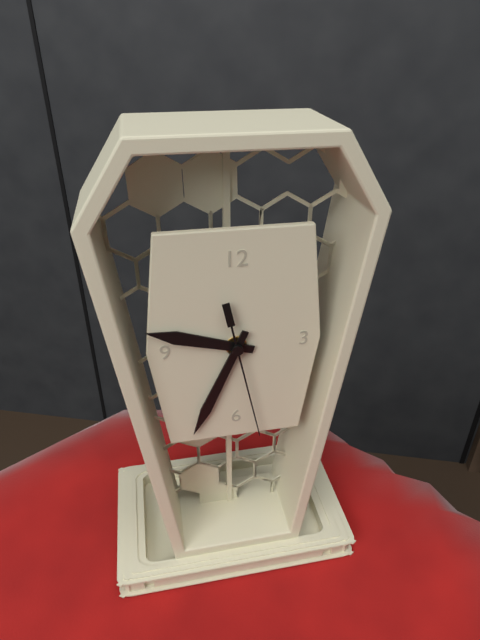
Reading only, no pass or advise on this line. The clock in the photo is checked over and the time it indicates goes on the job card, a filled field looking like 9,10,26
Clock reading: 9,34,28
